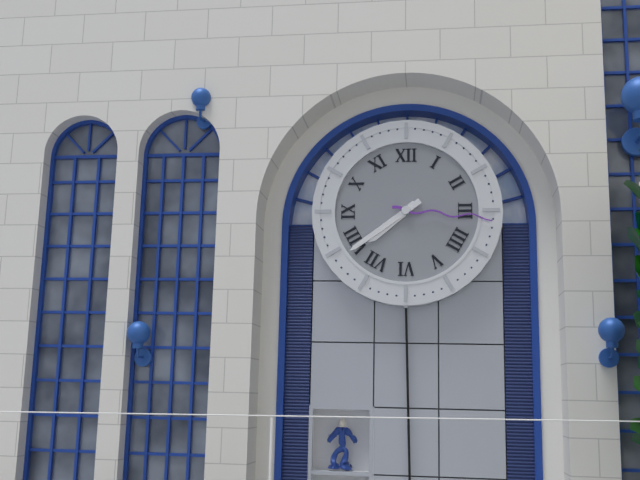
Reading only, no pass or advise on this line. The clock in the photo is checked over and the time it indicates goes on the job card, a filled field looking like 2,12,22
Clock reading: 7,39,16
